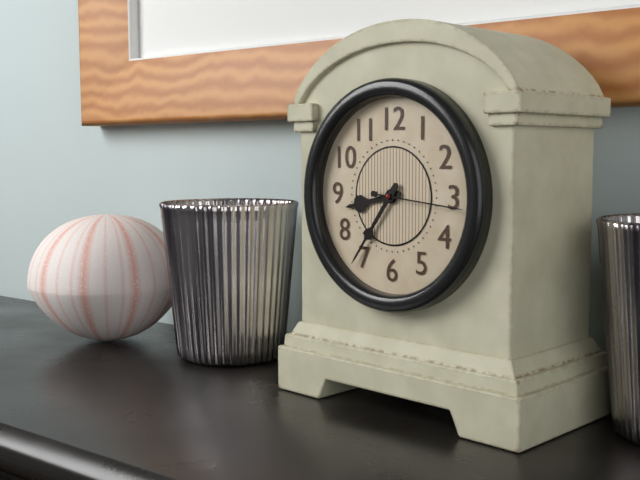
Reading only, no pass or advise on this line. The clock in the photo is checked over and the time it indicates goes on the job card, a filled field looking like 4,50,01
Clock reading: 8,36,16
